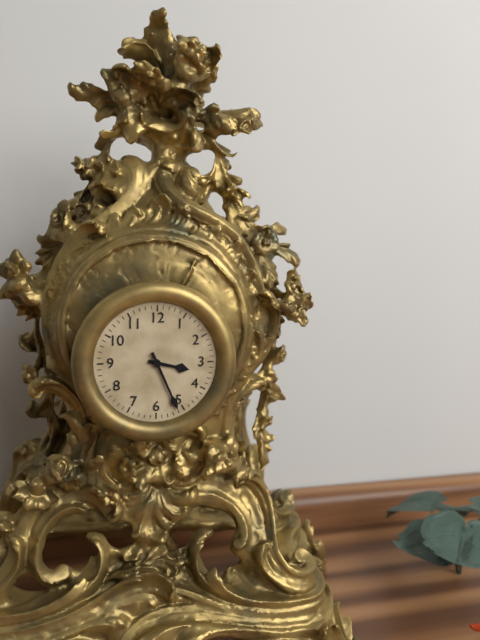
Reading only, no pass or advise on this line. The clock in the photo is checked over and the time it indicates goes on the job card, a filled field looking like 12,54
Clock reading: 3,26
